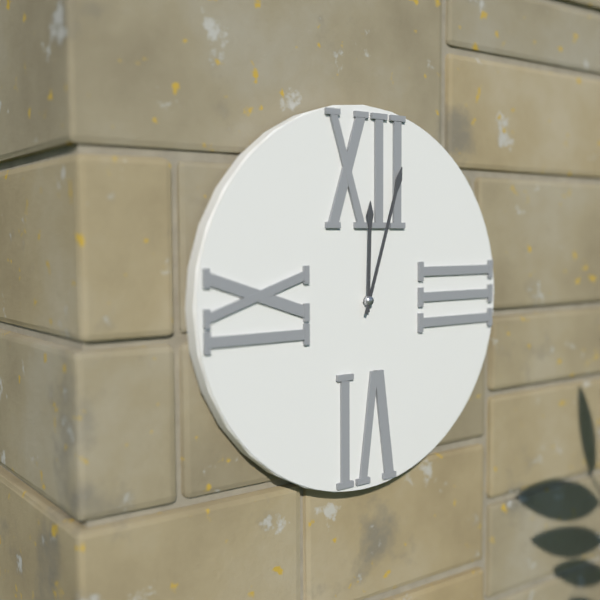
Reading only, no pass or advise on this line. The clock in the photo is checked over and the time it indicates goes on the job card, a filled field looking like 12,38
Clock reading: 12,03
